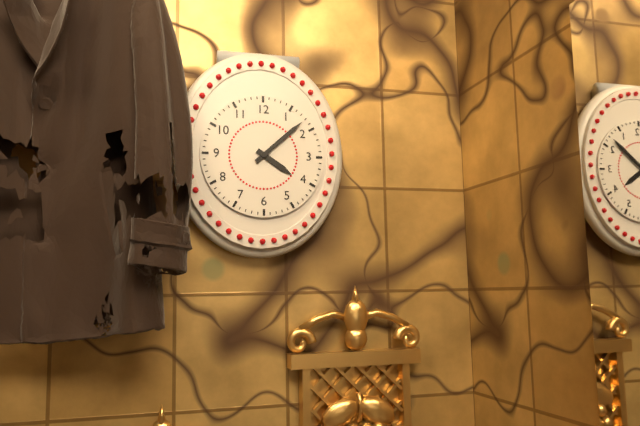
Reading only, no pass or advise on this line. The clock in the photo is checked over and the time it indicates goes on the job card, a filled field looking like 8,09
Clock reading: 4,08
